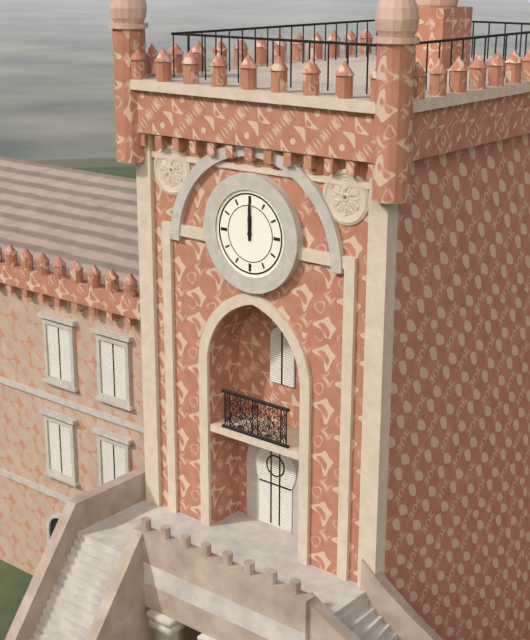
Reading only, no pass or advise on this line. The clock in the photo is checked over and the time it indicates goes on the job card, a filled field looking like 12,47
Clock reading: 12,00
